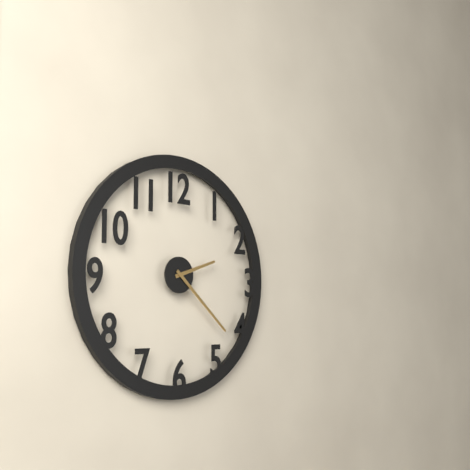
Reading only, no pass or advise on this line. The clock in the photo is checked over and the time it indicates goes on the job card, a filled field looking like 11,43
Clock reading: 2,22
